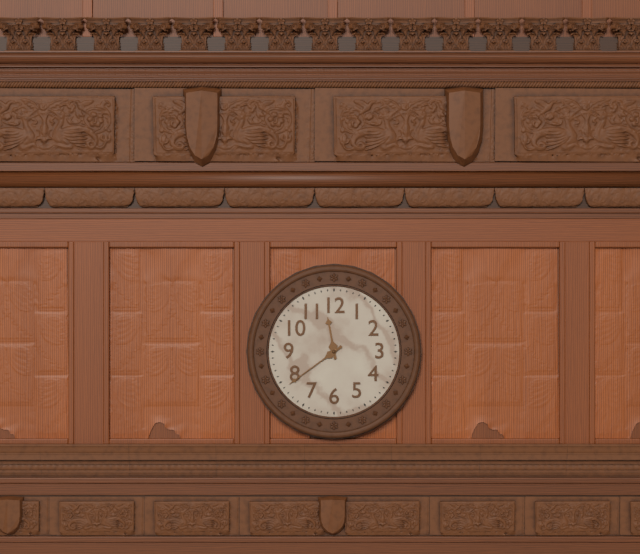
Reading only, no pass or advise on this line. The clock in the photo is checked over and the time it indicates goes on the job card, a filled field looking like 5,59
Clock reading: 11,39
